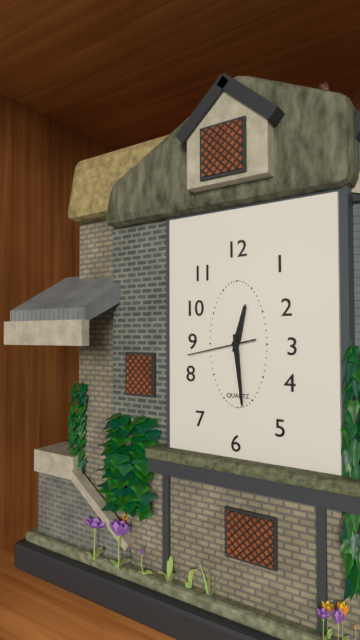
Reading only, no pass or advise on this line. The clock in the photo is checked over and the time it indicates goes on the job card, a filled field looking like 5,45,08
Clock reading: 12,29,43
